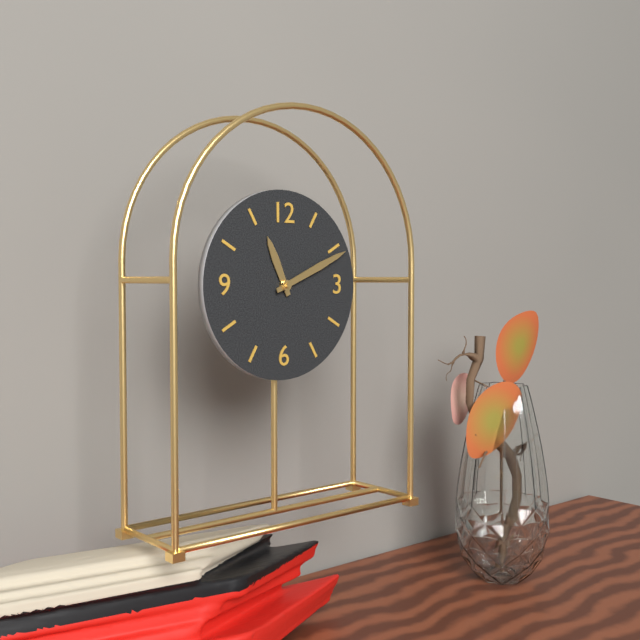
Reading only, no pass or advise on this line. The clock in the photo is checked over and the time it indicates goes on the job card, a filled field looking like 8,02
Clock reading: 11,11
